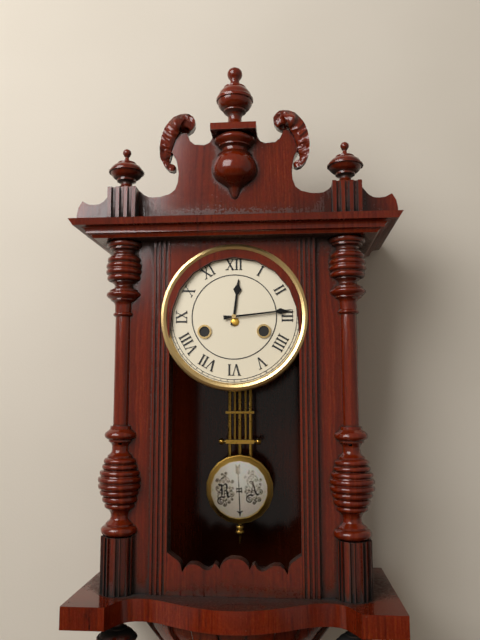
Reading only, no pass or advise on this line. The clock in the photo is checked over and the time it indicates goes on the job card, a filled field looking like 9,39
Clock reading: 12,14
